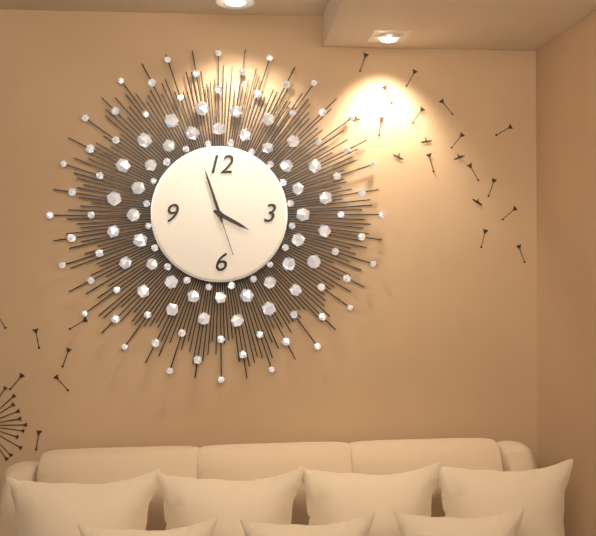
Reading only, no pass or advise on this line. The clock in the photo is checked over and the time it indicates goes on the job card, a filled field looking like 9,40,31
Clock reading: 3,57,27
